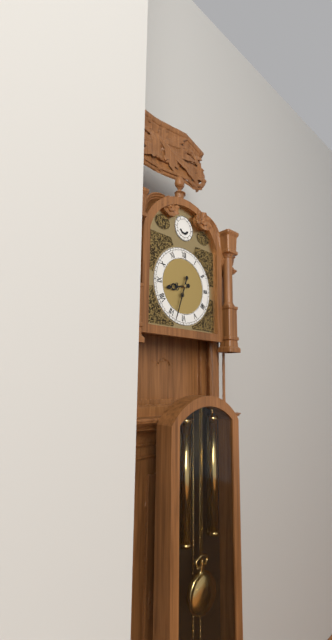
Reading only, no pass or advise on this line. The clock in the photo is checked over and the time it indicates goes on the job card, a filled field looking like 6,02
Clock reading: 8,33
